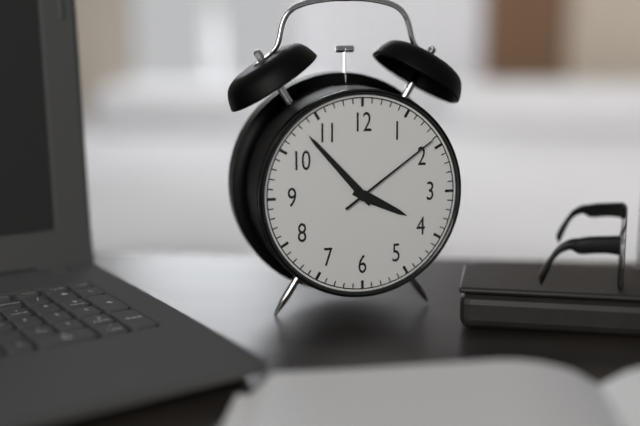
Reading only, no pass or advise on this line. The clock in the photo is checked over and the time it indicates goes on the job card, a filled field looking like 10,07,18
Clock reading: 3,53,09
